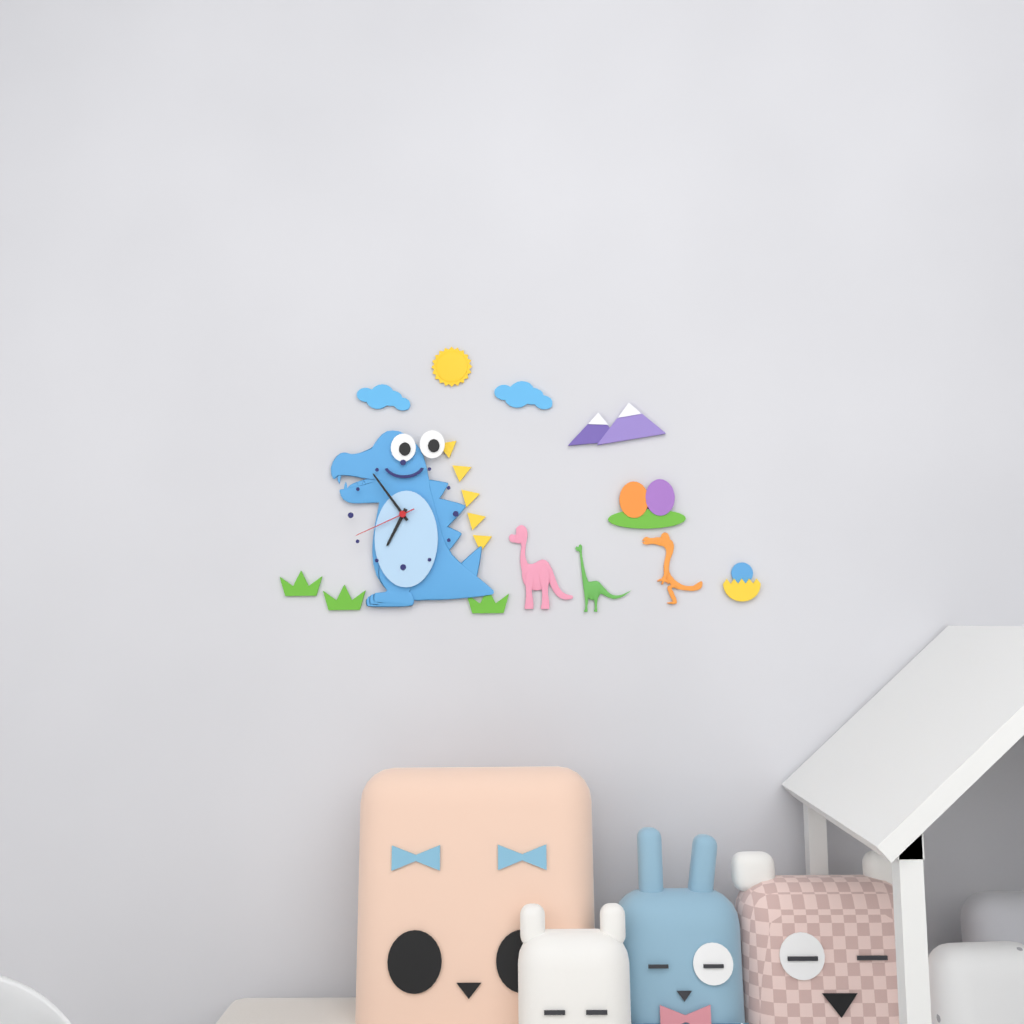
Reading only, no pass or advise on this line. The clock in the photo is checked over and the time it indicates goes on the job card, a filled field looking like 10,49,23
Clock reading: 6,54,41
